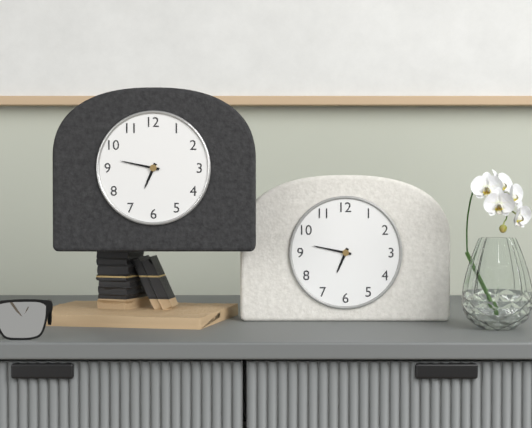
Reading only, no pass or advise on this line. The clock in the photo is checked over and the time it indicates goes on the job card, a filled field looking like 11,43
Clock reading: 6,47
